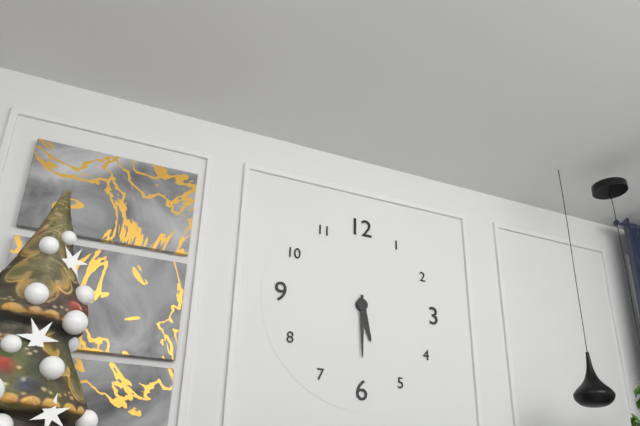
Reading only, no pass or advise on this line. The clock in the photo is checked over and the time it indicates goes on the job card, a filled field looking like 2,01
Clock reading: 5,30
